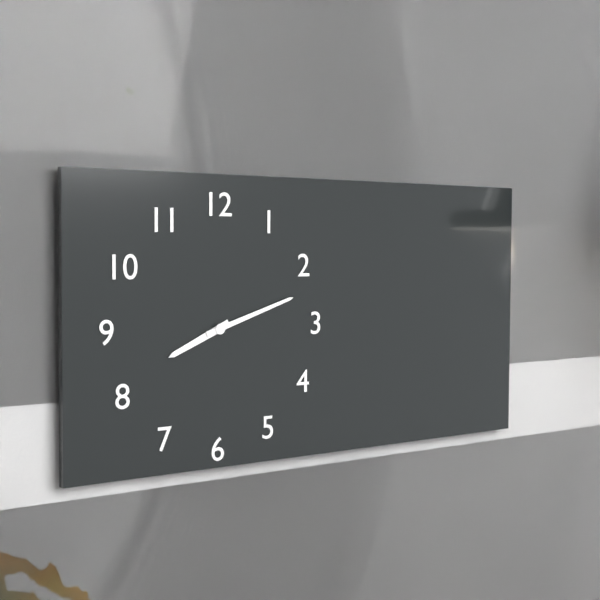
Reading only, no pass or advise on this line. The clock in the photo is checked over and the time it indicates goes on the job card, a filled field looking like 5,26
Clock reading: 8,12
